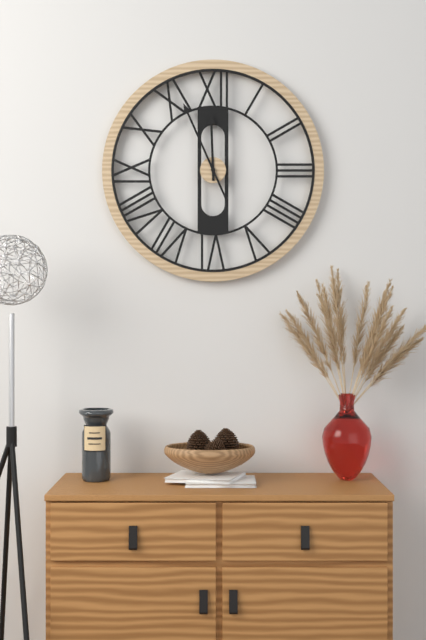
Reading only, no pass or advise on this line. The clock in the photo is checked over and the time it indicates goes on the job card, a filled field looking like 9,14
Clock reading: 11,56
